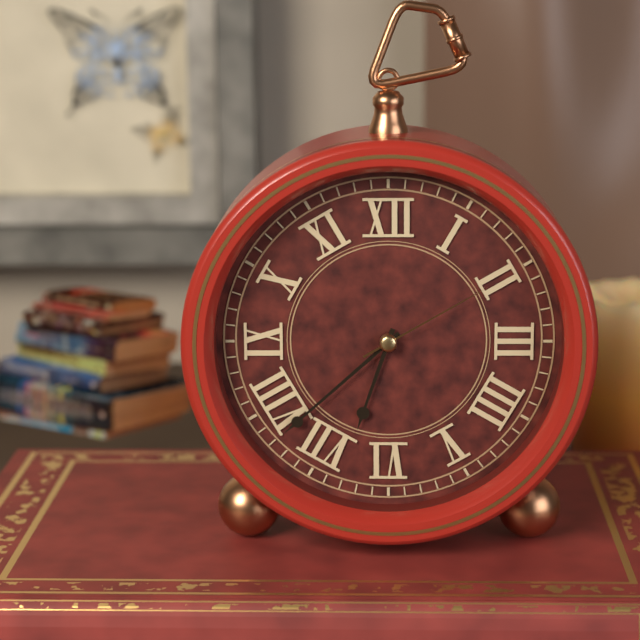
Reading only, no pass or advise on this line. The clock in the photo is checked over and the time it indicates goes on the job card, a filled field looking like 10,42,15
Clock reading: 6,38,10
